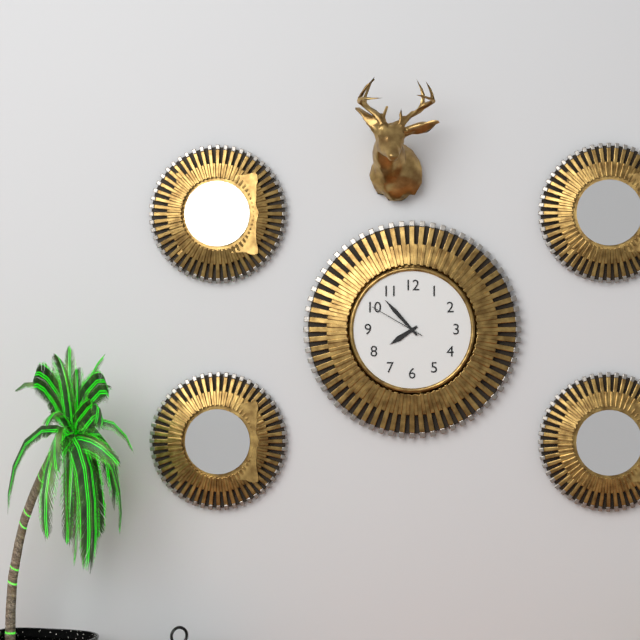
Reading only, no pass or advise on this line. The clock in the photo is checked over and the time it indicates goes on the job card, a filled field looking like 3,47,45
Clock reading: 7,53,50
